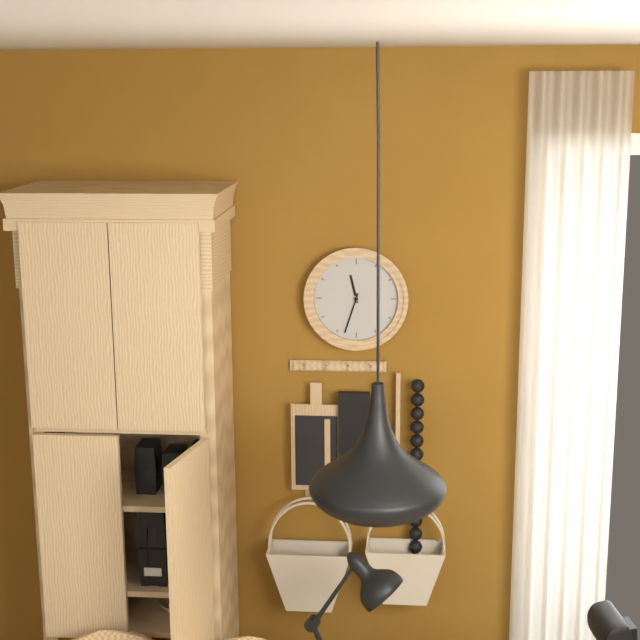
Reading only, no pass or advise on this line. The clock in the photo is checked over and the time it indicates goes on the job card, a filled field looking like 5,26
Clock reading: 11,33
